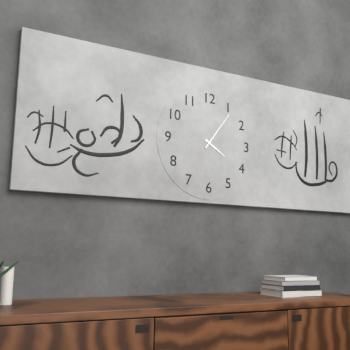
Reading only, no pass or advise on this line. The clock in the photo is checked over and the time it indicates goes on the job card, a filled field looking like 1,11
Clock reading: 4,06
